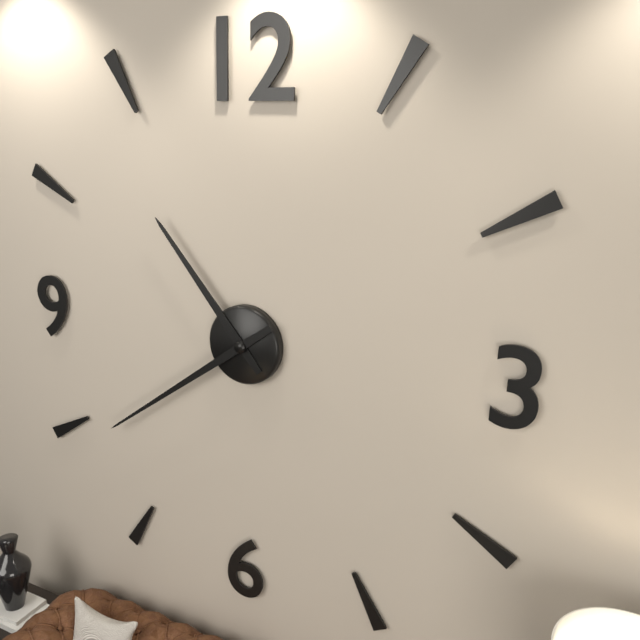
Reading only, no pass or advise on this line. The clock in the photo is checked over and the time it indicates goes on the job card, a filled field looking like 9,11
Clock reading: 10,39
